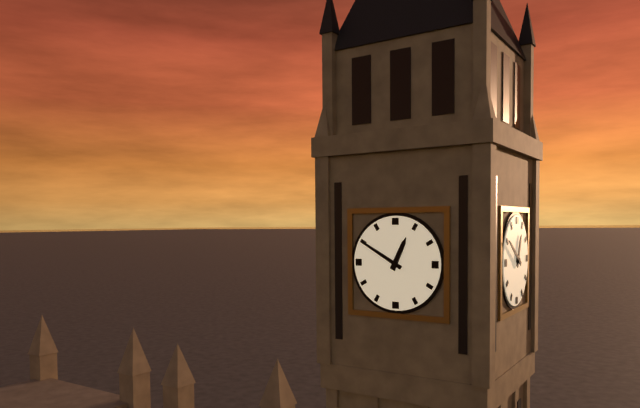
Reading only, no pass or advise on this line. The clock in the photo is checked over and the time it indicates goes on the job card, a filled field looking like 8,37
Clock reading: 12,50
